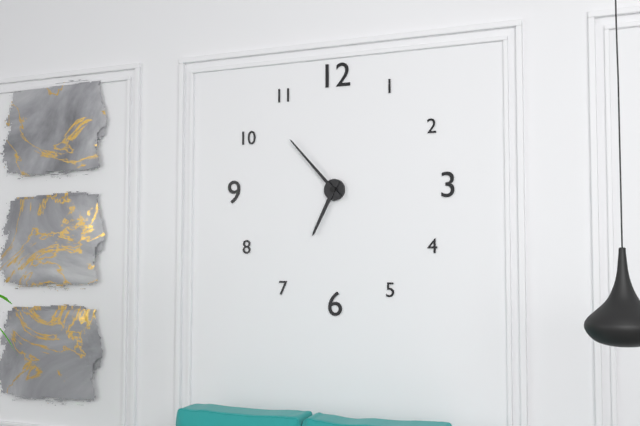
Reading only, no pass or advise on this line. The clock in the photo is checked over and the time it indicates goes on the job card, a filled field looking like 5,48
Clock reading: 6,53
